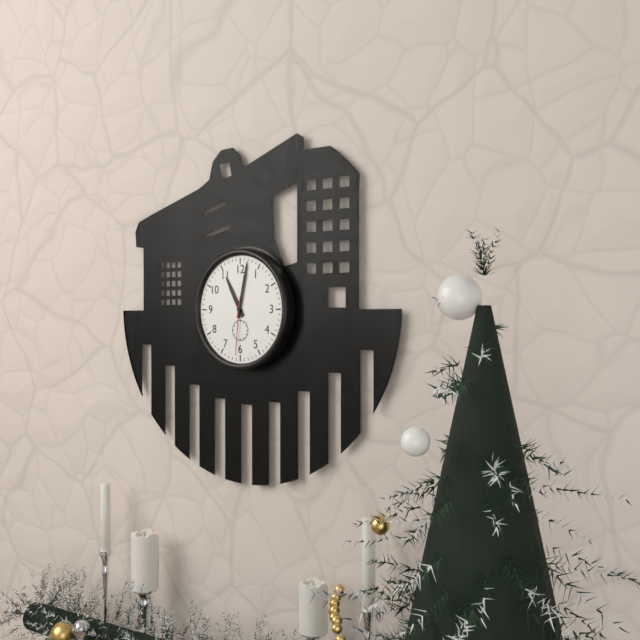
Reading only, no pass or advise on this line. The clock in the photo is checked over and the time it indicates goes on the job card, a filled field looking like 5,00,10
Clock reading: 11,02,31
